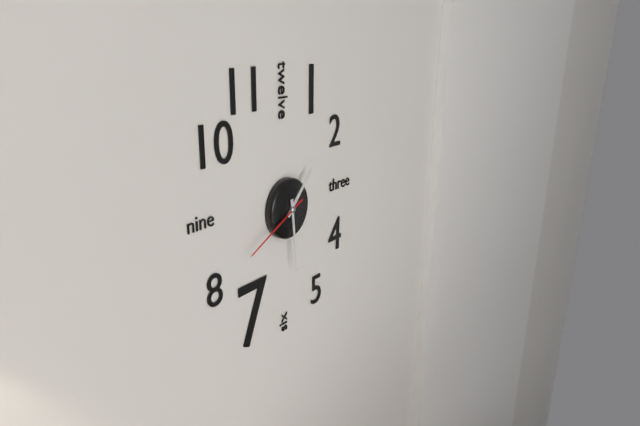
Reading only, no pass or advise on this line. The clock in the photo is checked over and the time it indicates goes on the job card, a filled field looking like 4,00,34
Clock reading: 1,29,41
